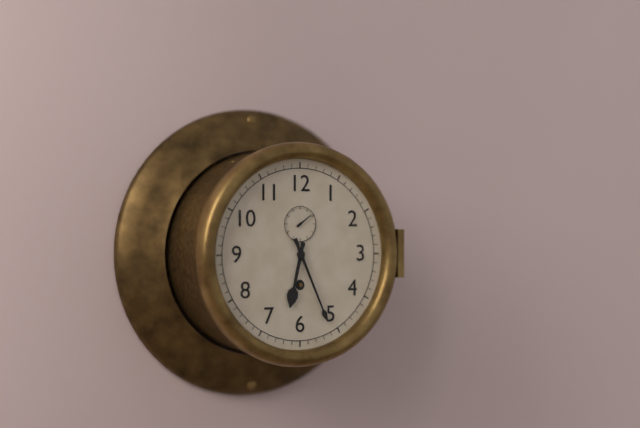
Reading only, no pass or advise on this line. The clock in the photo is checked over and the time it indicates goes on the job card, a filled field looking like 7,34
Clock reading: 6,26
